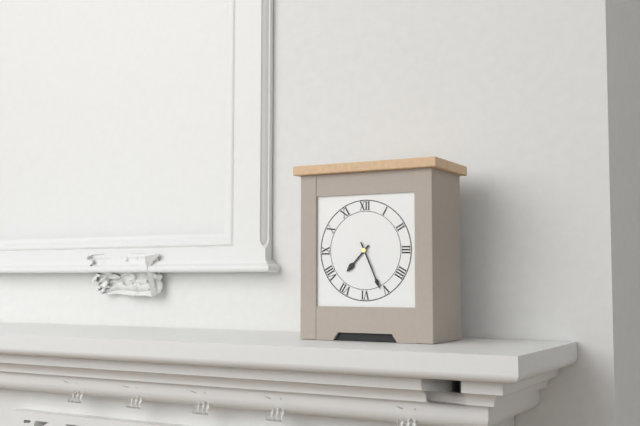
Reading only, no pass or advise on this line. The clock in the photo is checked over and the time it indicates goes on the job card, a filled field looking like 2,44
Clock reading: 7,26
